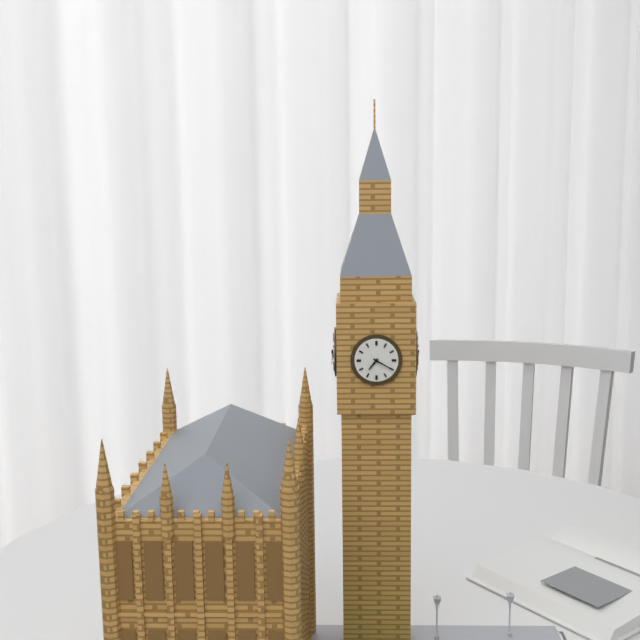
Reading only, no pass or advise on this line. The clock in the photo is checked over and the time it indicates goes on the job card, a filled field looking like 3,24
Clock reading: 7,20
